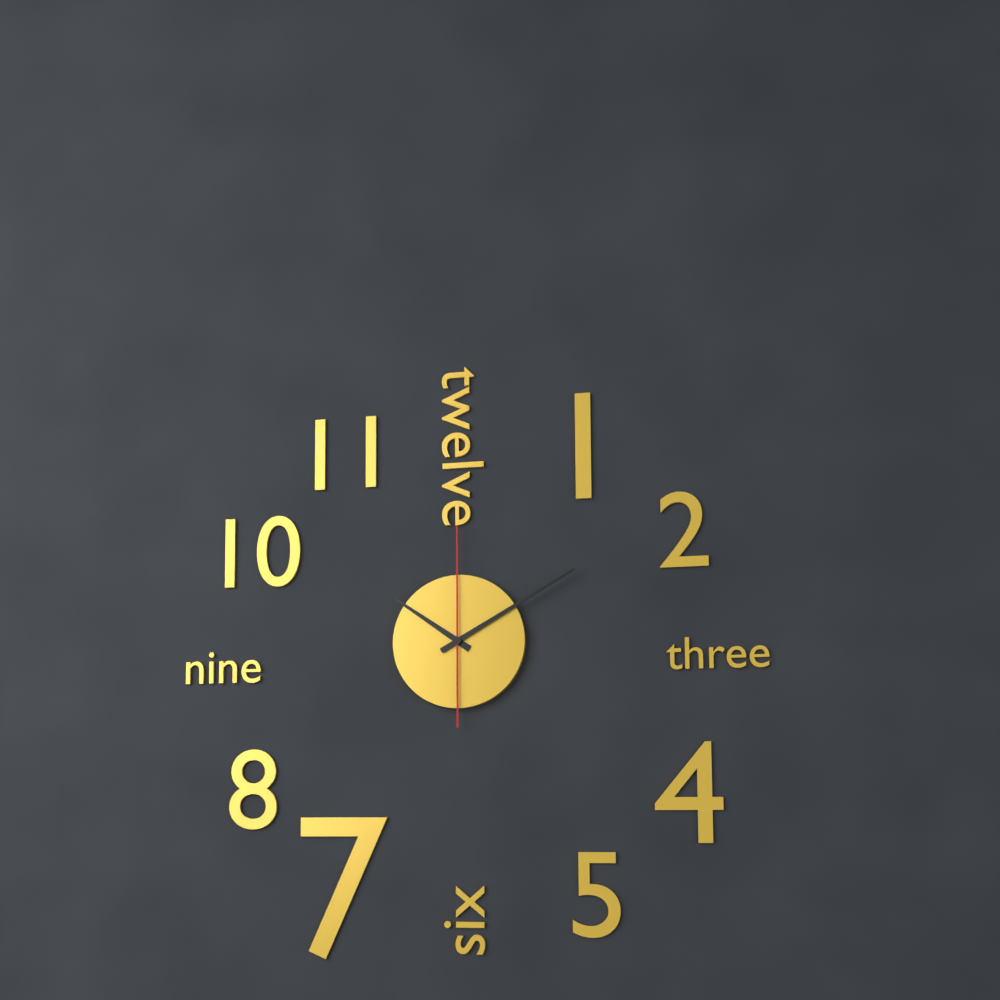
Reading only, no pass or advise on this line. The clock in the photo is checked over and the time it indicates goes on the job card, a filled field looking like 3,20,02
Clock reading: 10,10,00
